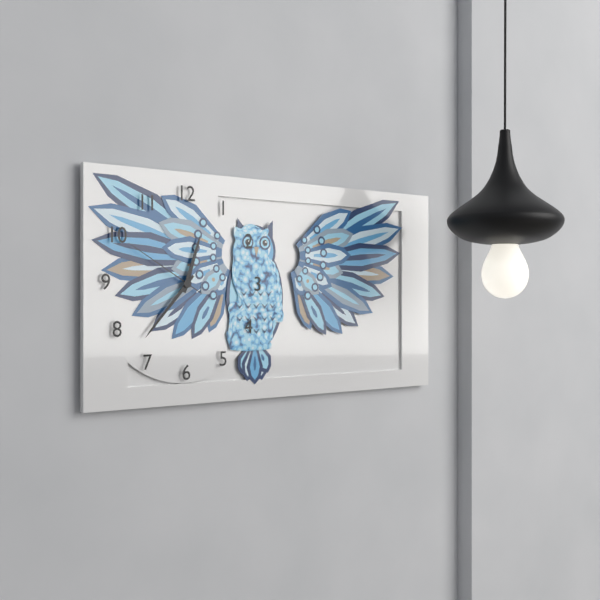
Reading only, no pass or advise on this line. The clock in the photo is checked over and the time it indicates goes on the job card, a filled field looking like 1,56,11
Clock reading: 12,37,50
